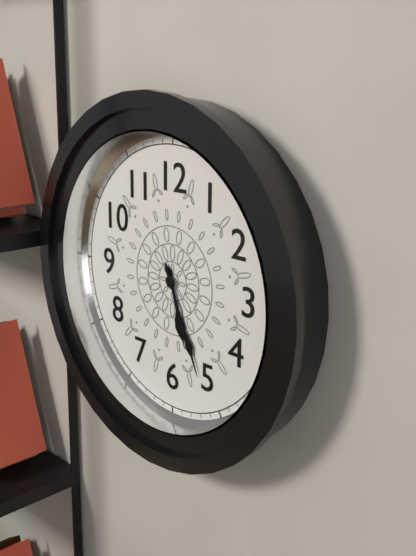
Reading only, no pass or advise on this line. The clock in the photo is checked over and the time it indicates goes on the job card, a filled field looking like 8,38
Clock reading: 5,26
